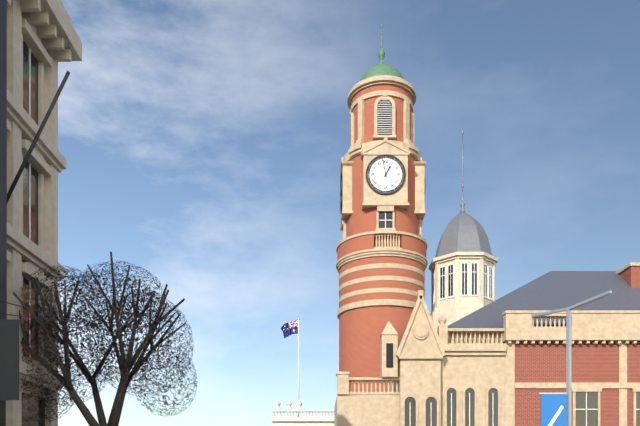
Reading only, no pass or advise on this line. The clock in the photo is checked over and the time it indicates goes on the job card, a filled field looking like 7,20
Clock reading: 12,58
